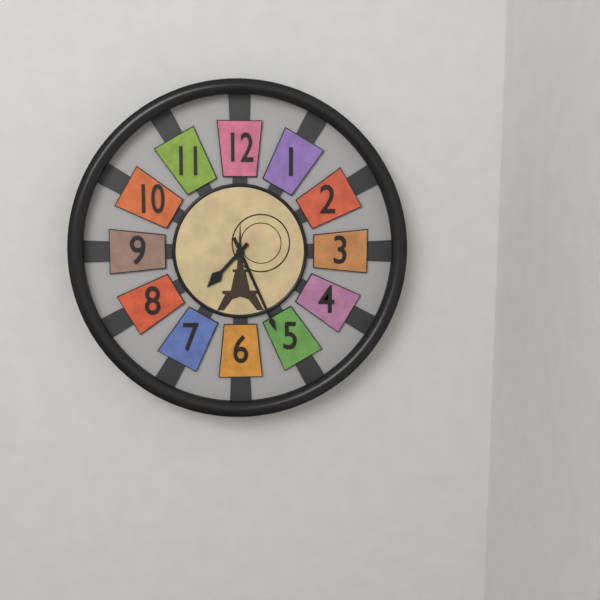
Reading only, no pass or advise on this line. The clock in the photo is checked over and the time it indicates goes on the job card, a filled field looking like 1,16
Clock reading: 7,26
